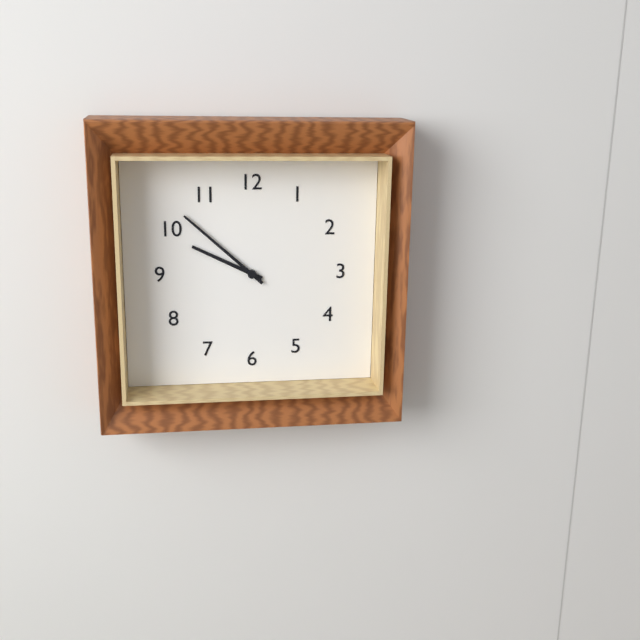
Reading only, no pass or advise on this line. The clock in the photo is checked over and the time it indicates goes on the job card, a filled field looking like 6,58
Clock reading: 9,52
